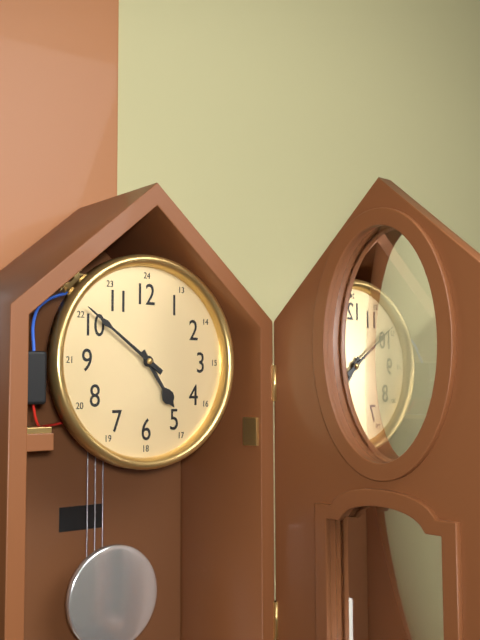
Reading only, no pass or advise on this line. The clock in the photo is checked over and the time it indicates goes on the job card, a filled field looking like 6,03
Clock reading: 4,51
